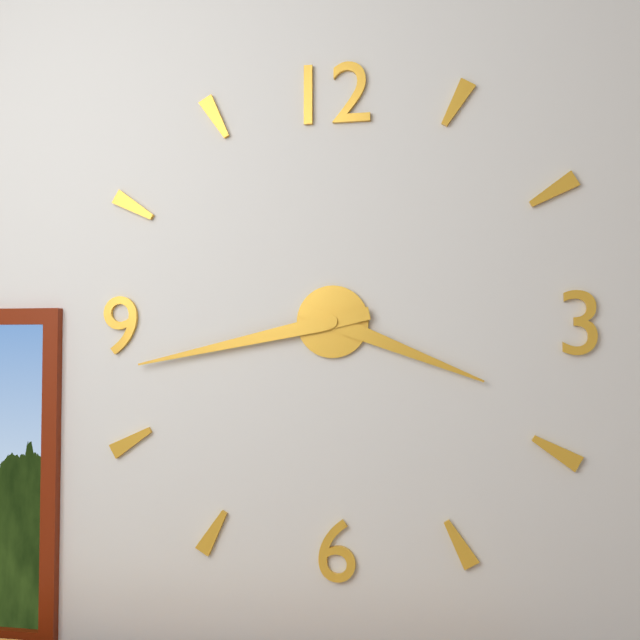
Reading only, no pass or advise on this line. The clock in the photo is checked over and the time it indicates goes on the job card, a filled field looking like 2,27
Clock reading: 3,43
